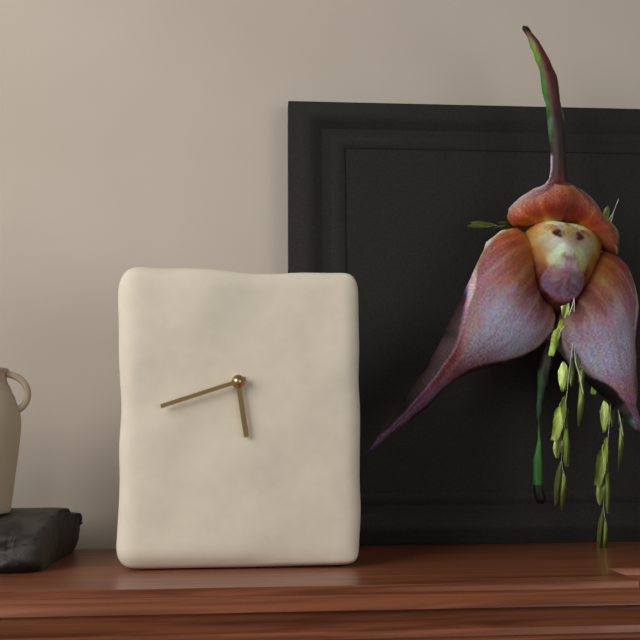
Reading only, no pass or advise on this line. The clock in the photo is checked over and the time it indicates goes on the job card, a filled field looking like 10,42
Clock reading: 5,42
